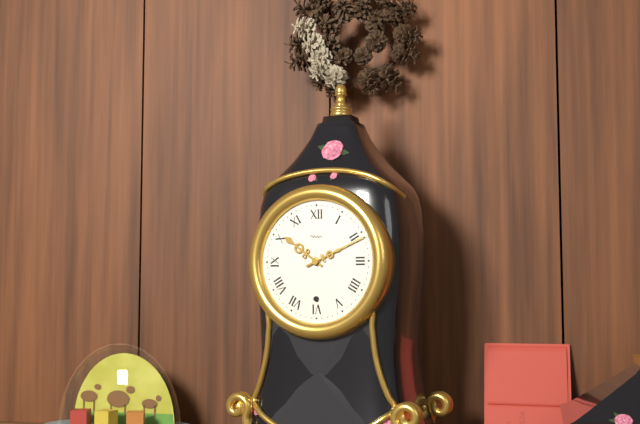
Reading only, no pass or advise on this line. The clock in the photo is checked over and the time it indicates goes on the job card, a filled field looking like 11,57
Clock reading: 10,11
